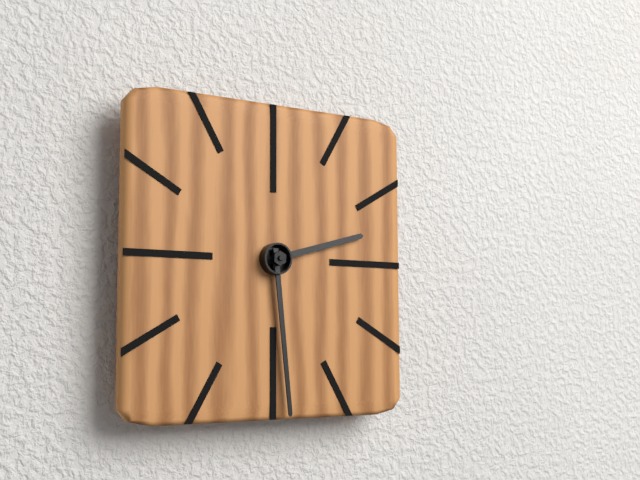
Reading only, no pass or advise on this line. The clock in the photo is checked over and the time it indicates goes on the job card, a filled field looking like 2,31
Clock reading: 2,29
